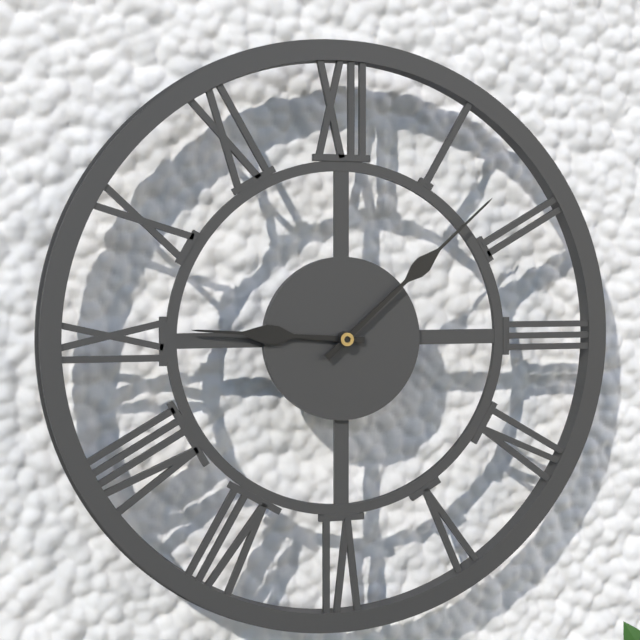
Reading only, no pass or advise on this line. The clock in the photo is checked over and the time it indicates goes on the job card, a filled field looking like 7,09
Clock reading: 9,08
